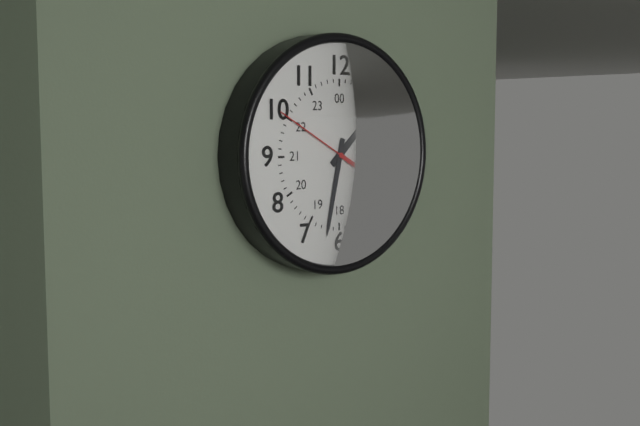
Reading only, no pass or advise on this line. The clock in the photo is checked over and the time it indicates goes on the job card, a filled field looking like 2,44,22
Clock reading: 1,32,50
